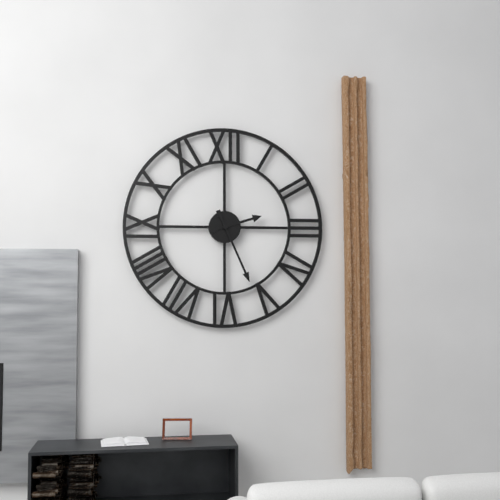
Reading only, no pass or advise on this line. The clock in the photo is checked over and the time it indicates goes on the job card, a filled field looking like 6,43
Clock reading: 2,26
